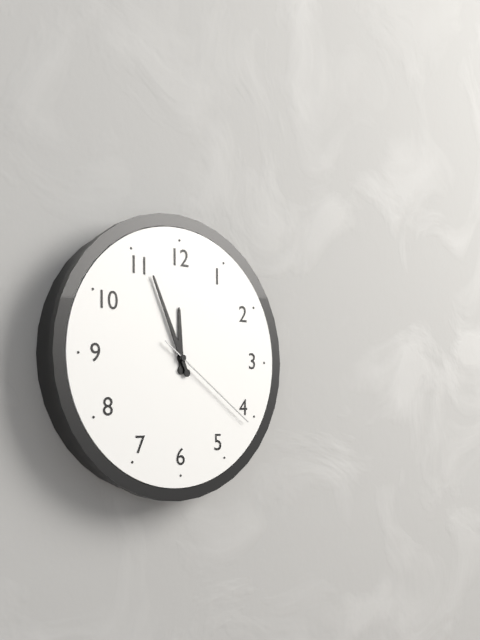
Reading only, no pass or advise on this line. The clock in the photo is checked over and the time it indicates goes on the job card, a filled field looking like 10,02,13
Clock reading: 11,56,21
